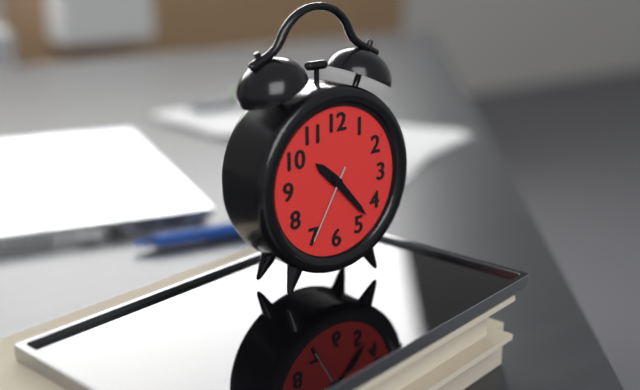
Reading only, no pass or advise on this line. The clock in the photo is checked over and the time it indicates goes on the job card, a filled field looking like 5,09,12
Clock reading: 10,23,35
